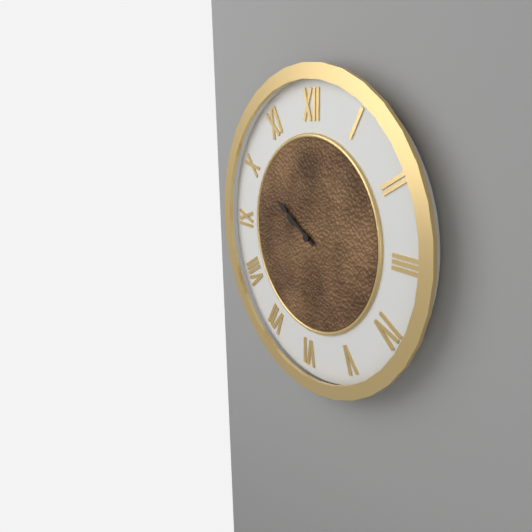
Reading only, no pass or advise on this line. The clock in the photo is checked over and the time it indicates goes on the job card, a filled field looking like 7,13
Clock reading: 9,50
